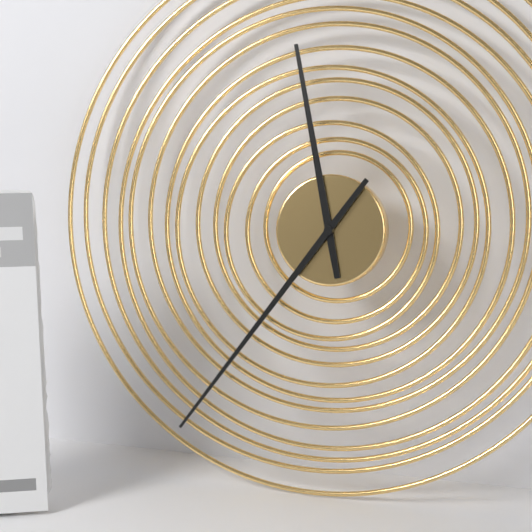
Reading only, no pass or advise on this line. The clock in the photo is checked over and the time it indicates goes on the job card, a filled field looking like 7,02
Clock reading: 11,36
